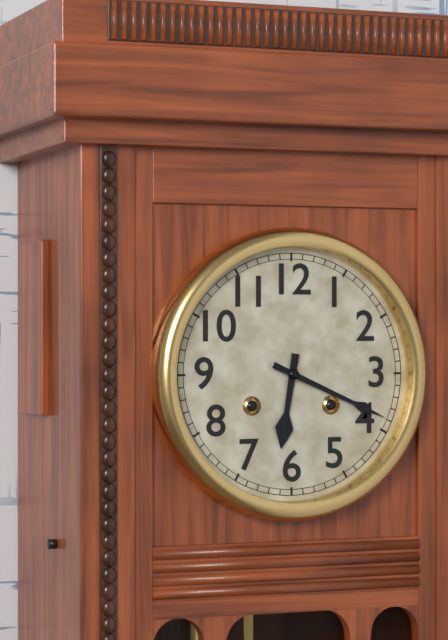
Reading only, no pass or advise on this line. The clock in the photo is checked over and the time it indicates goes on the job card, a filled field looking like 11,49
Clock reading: 6,19
